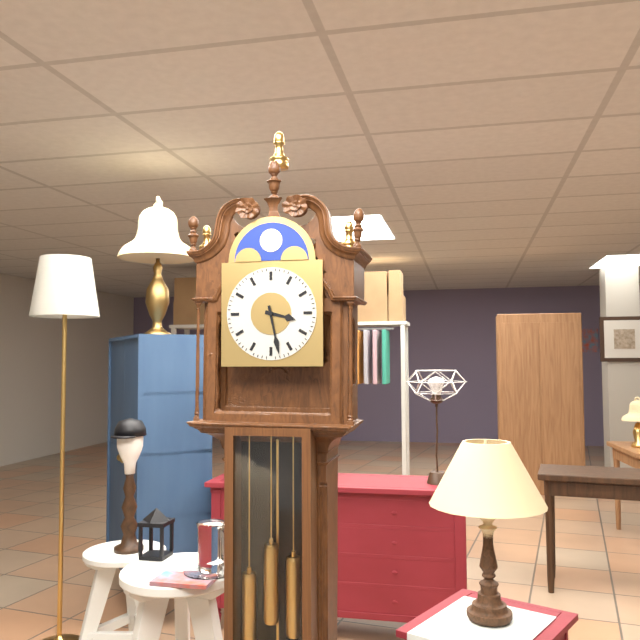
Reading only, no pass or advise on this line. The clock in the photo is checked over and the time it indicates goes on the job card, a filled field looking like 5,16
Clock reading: 3,28
